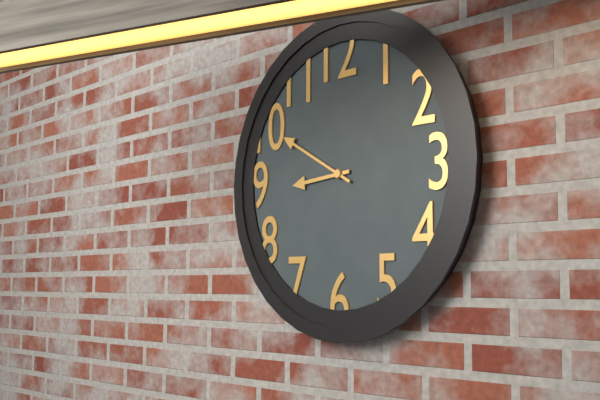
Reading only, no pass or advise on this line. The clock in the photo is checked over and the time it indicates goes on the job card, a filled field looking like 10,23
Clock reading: 8,50
